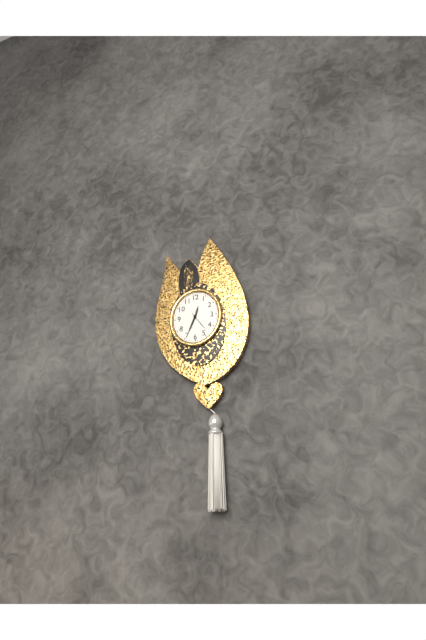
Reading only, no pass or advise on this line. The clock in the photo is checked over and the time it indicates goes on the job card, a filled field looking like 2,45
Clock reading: 12,34
